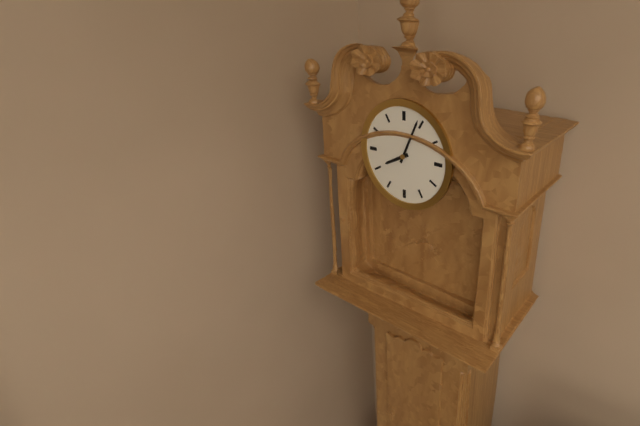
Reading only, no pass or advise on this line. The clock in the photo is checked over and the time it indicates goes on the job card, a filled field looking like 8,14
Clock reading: 8,04
